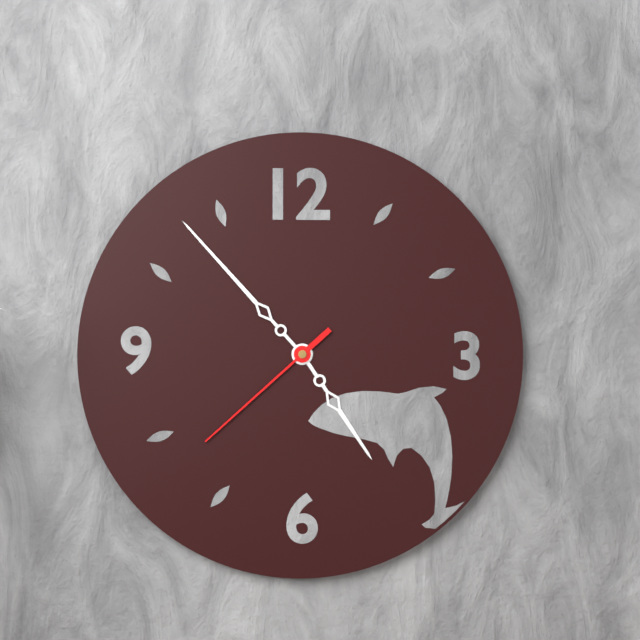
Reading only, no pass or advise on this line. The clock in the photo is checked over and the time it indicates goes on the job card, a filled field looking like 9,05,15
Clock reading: 4,53,38
